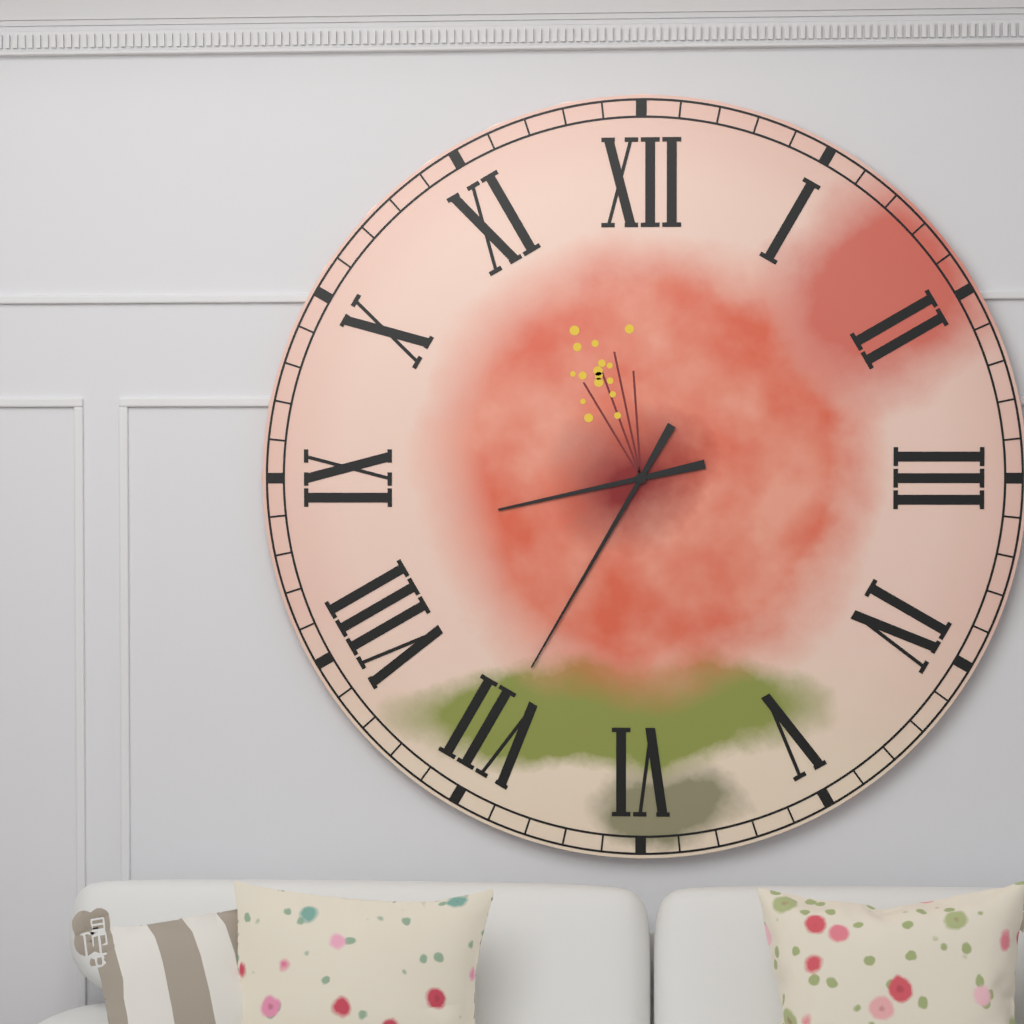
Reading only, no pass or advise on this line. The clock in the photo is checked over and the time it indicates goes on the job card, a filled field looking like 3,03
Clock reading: 8,35
